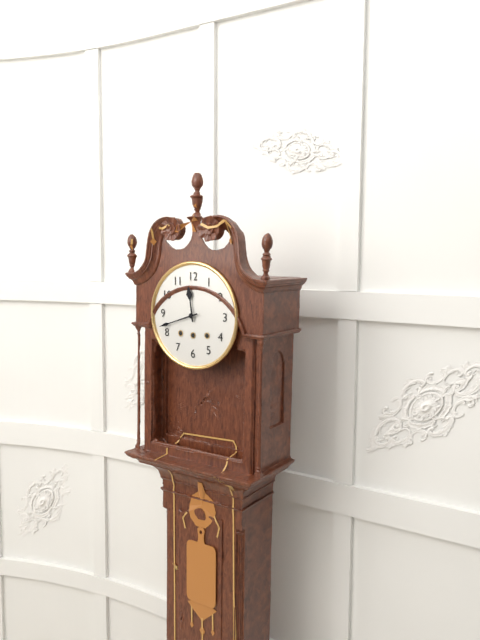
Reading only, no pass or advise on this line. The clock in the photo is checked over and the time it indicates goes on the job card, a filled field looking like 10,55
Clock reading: 11,42
